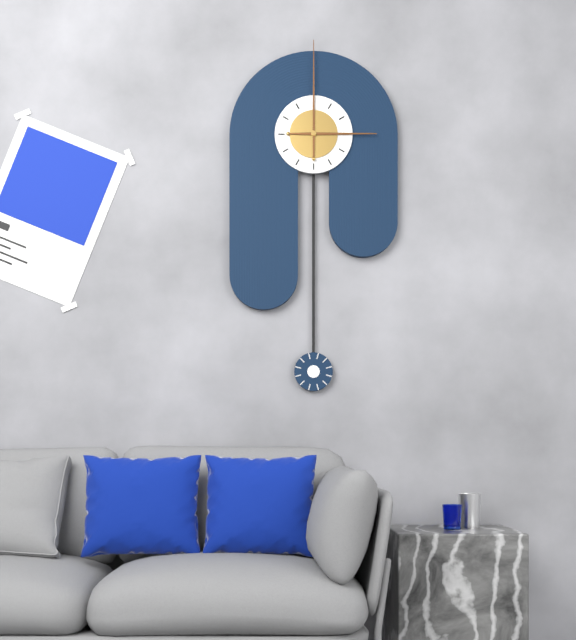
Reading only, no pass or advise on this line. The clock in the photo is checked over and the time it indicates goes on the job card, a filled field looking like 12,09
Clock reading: 3,00
